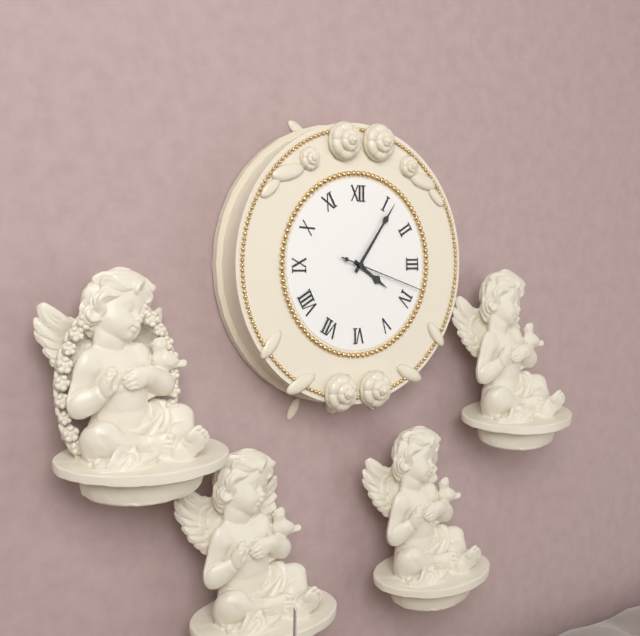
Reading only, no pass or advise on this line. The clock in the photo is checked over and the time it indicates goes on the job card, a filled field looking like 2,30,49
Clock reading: 4,06,18
